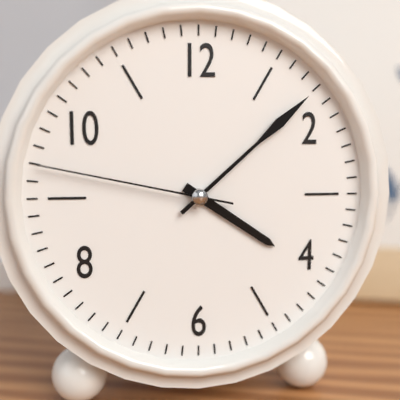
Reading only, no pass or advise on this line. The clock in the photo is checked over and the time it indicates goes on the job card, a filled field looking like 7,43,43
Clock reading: 4,08,47
